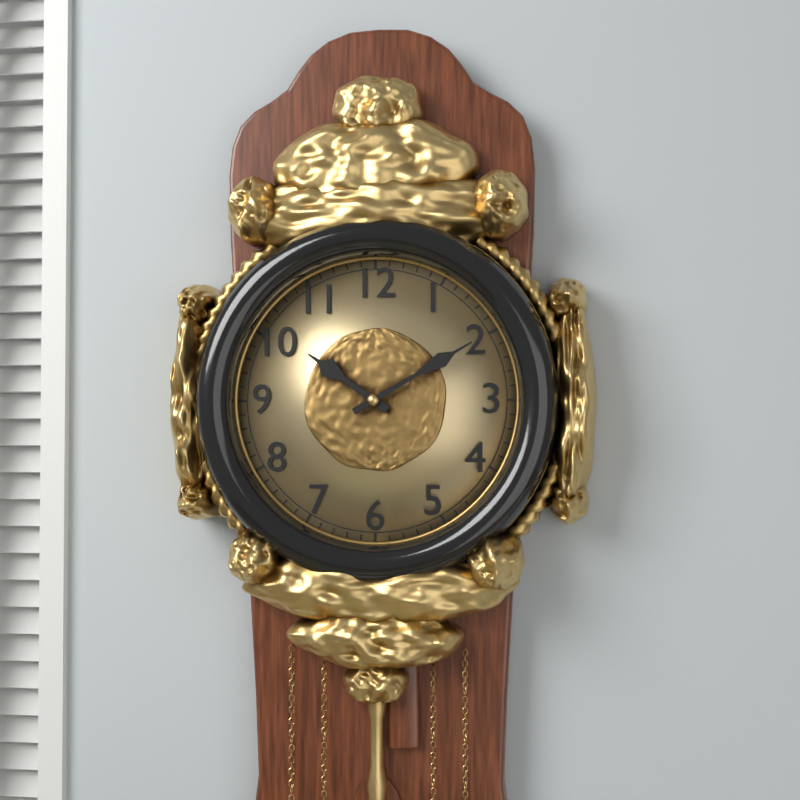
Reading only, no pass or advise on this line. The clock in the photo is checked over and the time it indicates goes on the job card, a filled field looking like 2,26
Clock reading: 10,10
